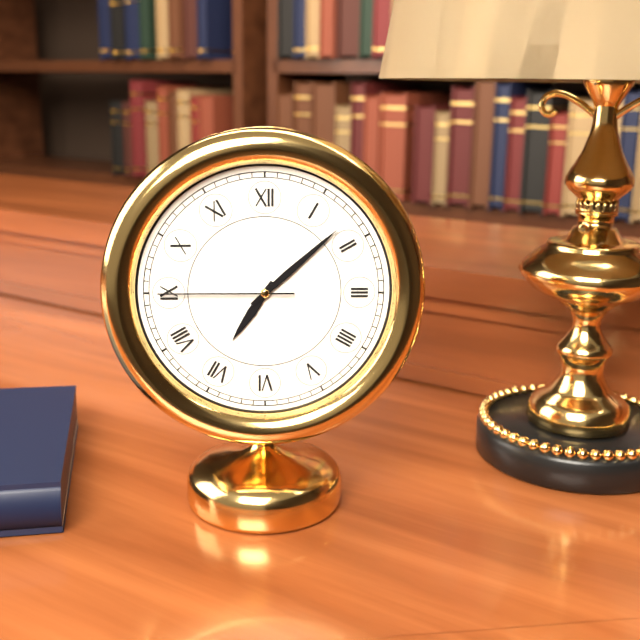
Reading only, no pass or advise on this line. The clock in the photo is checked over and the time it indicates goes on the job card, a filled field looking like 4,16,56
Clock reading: 7,08,45
